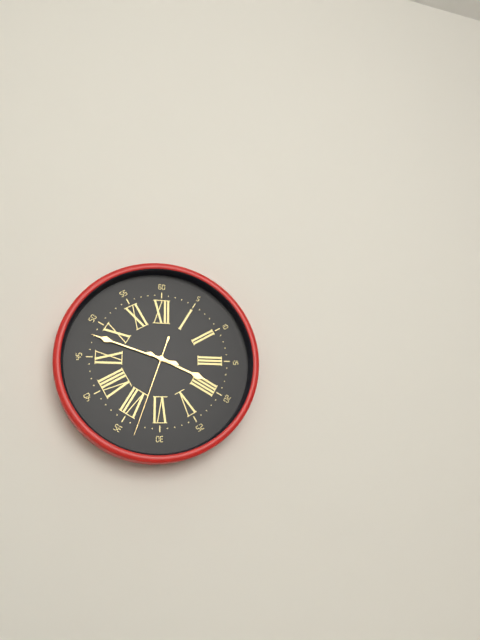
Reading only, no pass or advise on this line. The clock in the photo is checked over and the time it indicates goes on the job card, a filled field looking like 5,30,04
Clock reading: 3,48,33
